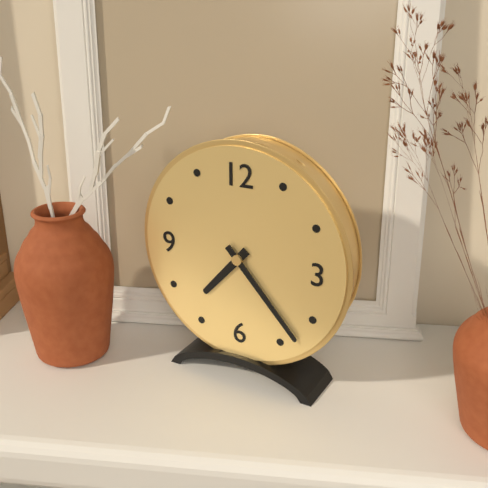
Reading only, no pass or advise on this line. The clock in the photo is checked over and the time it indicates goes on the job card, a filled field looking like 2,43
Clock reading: 7,23
